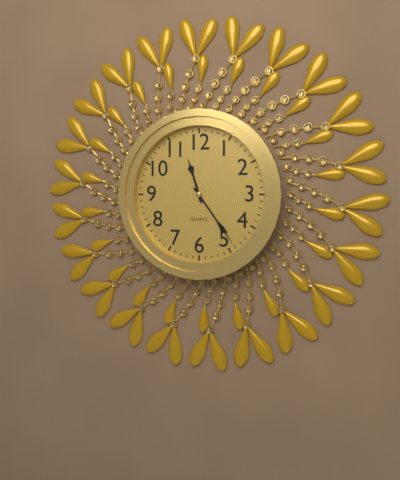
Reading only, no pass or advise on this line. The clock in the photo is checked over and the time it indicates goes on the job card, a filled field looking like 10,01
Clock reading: 11,24
